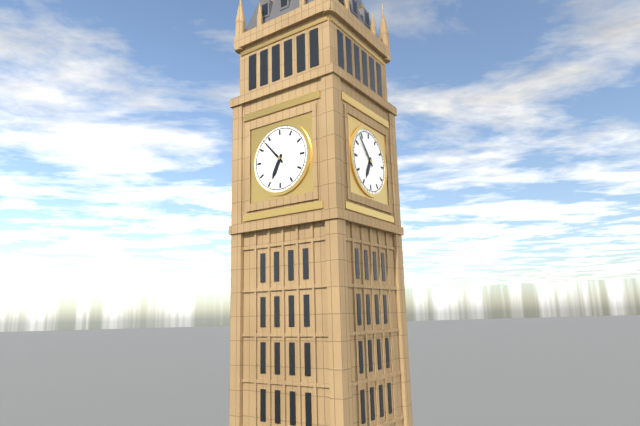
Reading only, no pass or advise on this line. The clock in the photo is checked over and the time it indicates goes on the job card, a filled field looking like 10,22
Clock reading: 6,53
